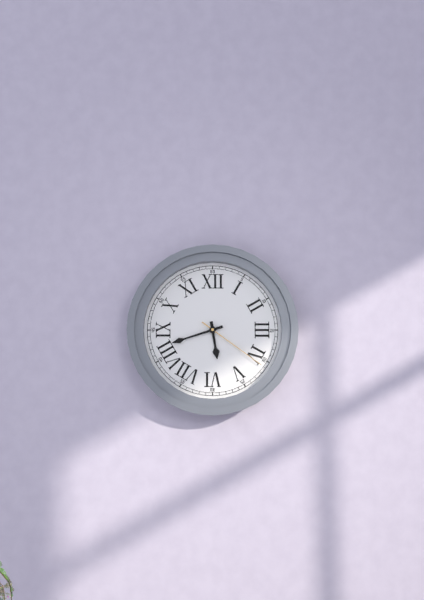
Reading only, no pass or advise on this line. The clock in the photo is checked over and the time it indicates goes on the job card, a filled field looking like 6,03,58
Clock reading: 5,42,21
